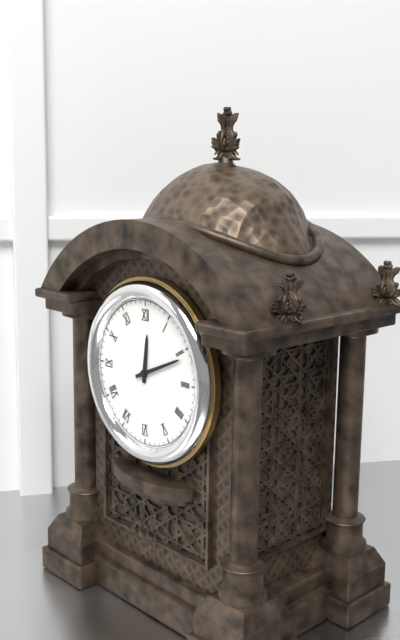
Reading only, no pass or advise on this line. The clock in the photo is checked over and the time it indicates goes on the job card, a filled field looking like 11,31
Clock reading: 12,11
